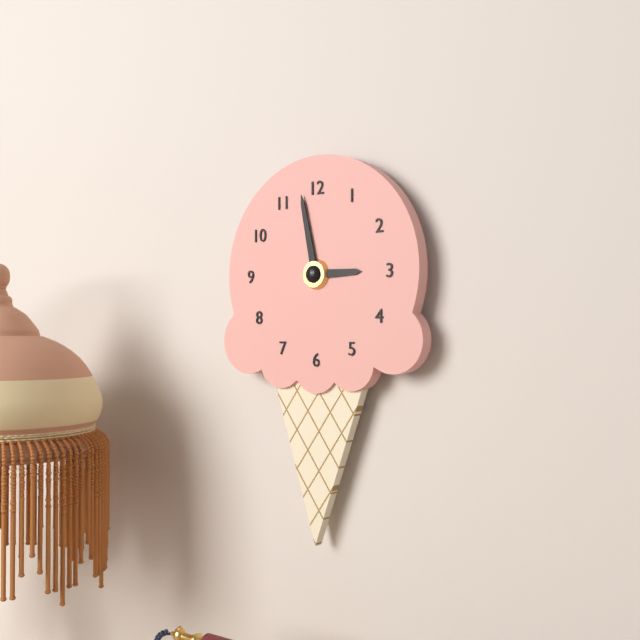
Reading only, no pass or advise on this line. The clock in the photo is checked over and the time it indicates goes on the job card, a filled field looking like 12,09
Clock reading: 2,58
